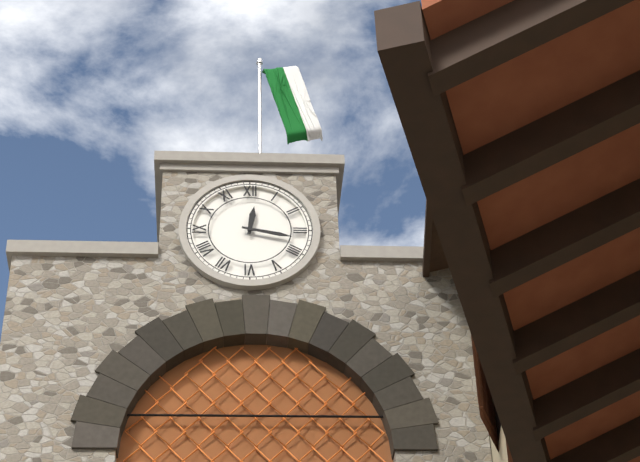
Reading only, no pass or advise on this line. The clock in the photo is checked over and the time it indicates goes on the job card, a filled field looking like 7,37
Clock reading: 12,17
